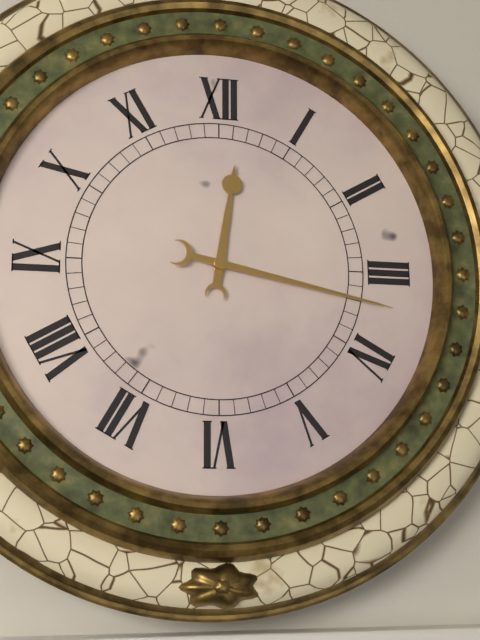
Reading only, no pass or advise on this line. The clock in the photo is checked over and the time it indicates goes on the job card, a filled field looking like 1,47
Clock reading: 12,17
